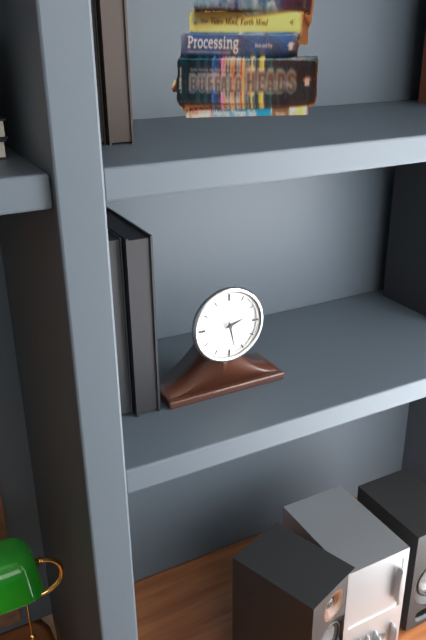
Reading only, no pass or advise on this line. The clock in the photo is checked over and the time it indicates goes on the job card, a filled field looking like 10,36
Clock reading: 2,28
